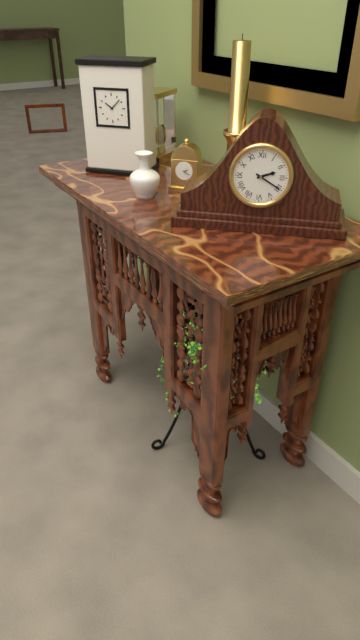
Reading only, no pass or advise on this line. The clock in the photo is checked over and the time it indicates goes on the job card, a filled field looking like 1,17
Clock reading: 2,20
